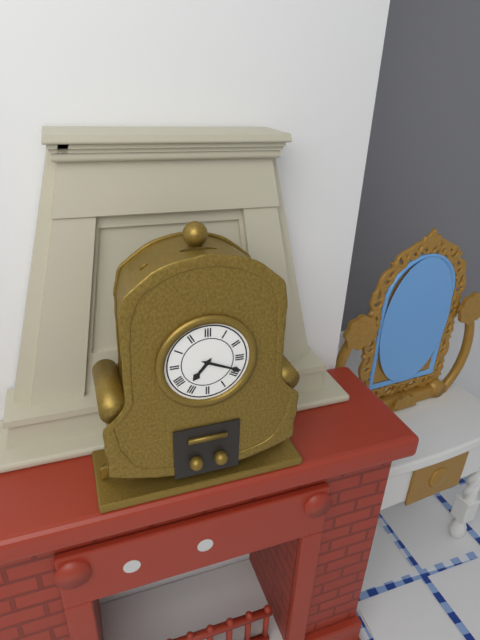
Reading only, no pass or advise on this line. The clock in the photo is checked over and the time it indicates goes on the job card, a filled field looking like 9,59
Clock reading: 7,19
